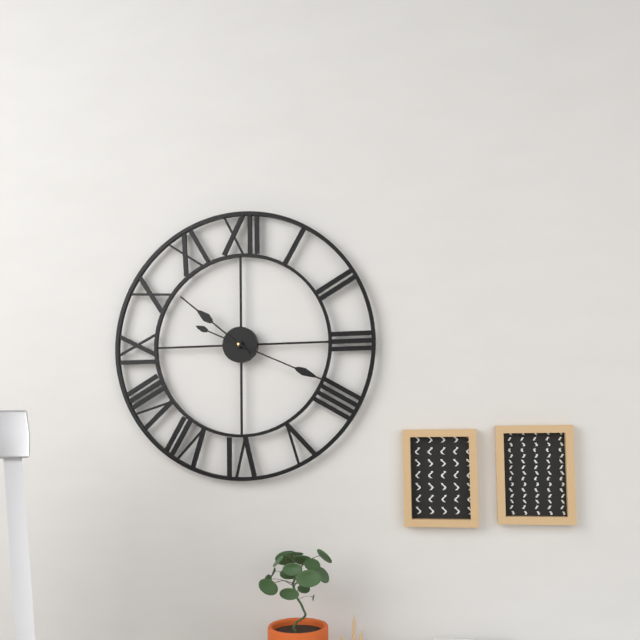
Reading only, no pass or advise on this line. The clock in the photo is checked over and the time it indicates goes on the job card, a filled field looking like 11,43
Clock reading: 10,19
